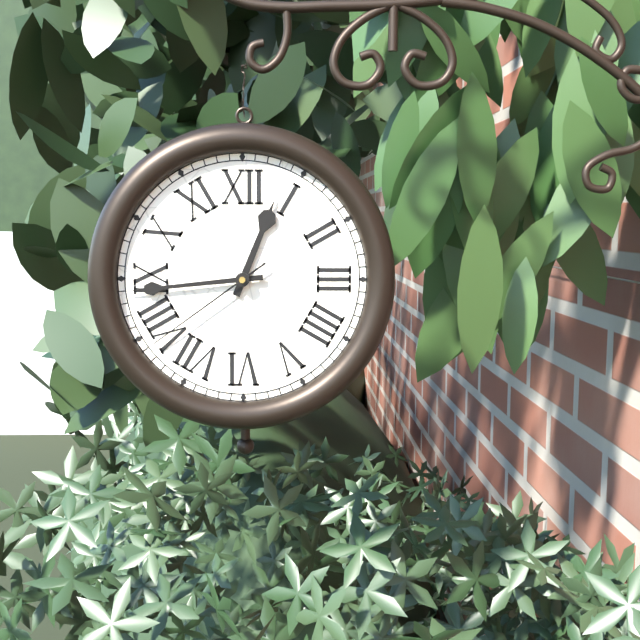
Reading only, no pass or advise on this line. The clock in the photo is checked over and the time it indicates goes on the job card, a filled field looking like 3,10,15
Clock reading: 12,44,39
